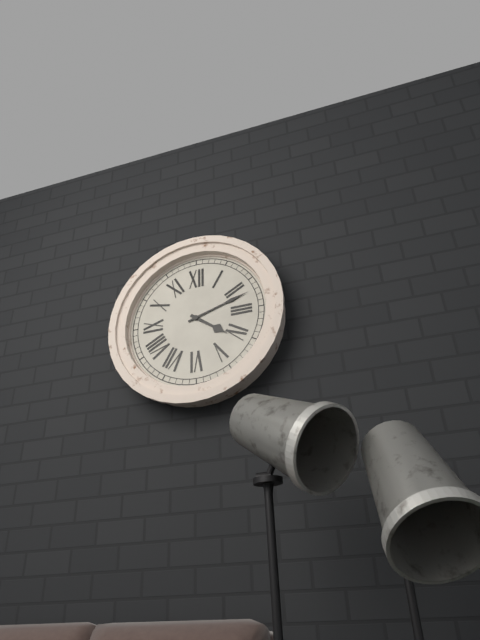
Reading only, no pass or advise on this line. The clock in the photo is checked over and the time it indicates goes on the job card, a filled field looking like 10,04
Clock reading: 4,12
